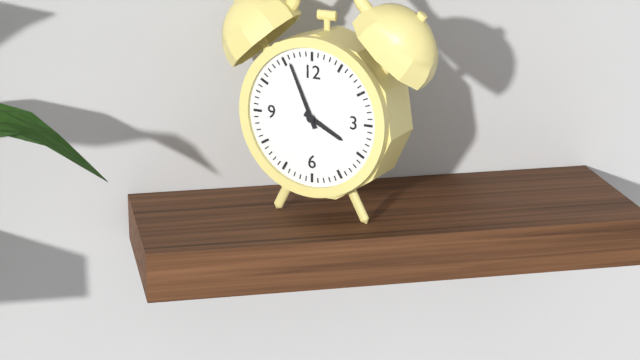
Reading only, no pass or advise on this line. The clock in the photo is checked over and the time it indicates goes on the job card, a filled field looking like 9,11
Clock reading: 3,56
